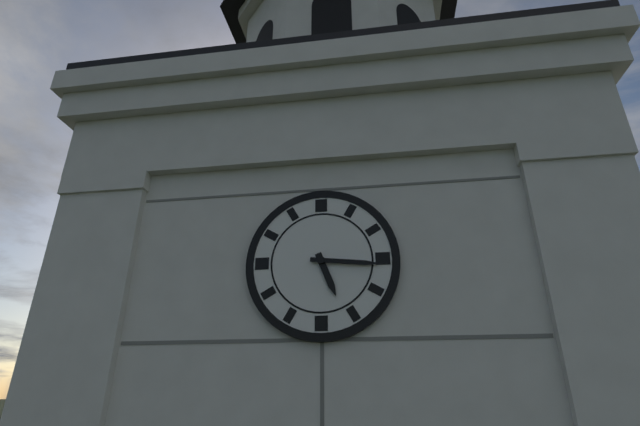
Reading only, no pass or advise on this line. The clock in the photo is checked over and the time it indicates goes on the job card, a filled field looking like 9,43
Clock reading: 5,16
